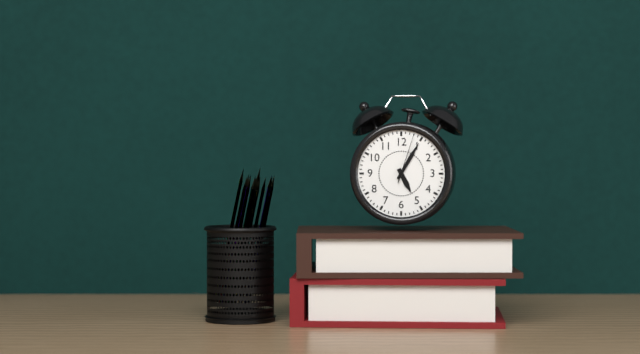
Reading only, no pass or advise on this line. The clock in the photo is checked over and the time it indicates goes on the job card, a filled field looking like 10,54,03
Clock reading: 5,05,03
